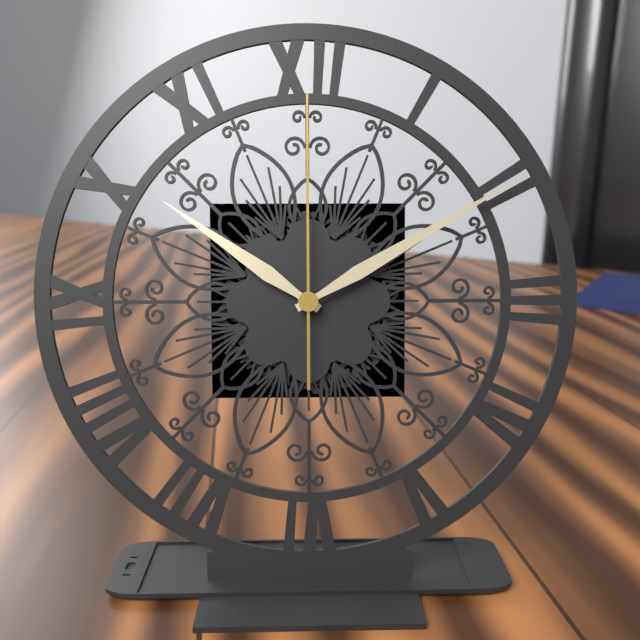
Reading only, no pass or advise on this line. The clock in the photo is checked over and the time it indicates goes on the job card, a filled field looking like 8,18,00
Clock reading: 10,10,00
